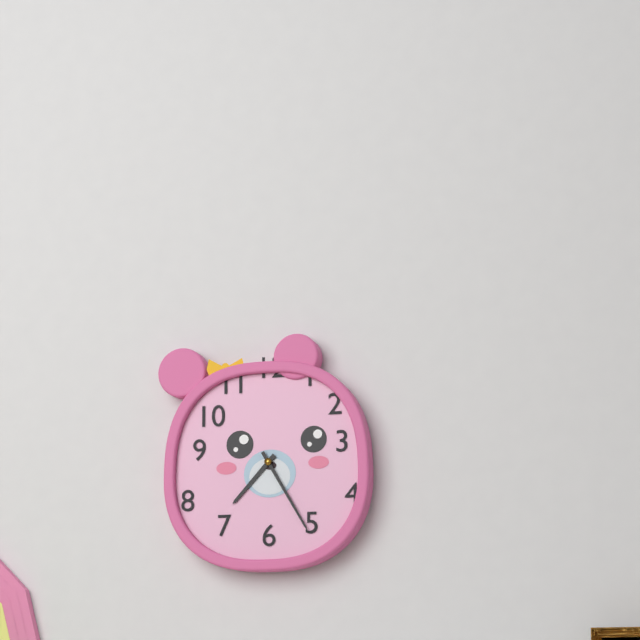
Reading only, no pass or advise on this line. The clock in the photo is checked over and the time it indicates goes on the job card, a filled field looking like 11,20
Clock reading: 7,25
